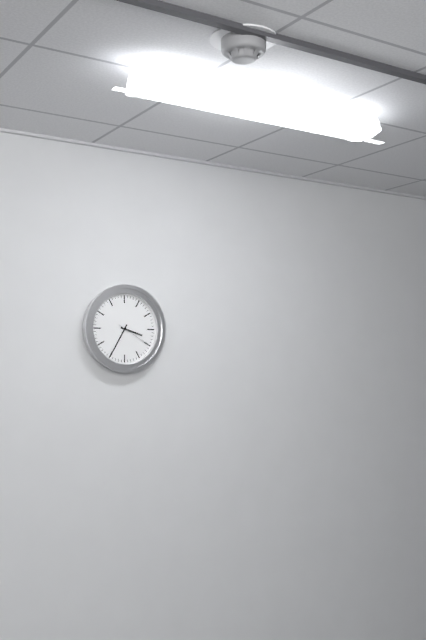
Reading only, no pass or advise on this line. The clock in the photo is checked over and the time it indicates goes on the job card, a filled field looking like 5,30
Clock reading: 3,35
